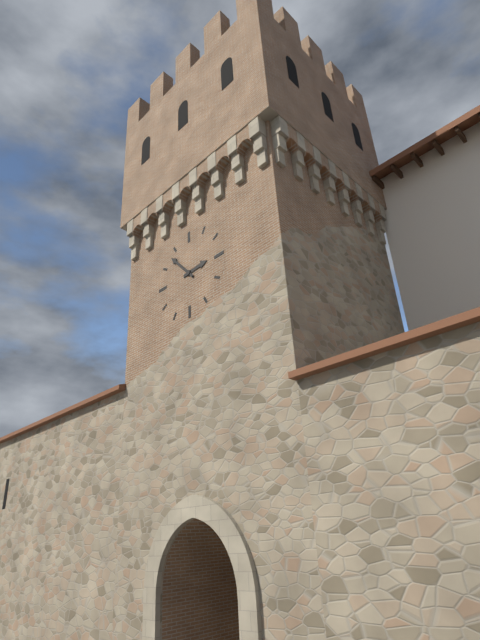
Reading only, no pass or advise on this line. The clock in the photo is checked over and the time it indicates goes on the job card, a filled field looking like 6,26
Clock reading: 2,53
